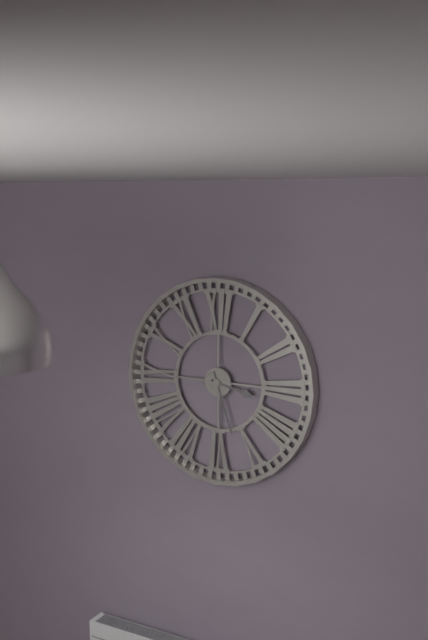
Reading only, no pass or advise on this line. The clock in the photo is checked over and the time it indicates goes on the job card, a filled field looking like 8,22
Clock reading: 3,27
